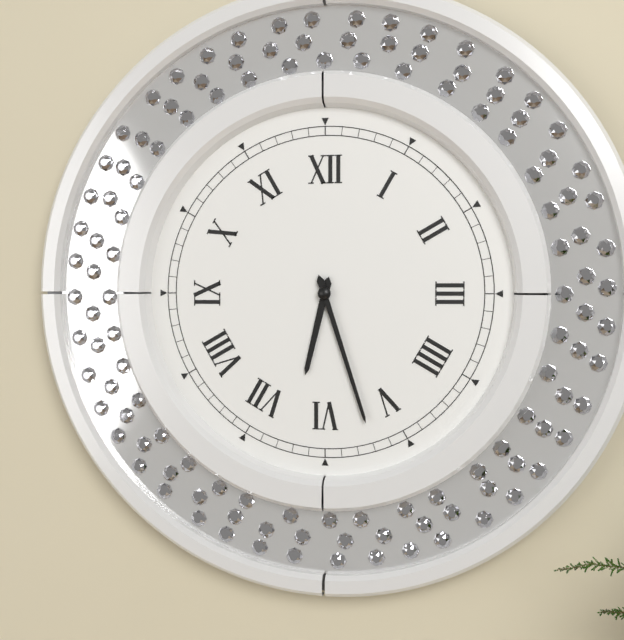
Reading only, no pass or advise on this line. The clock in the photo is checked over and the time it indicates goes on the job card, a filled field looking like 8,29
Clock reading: 6,27
